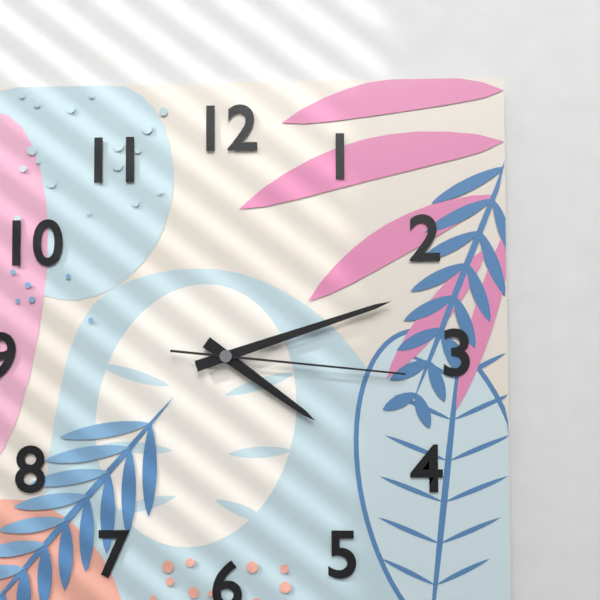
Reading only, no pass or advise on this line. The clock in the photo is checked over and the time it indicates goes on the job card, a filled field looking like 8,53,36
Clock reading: 4,12,16
